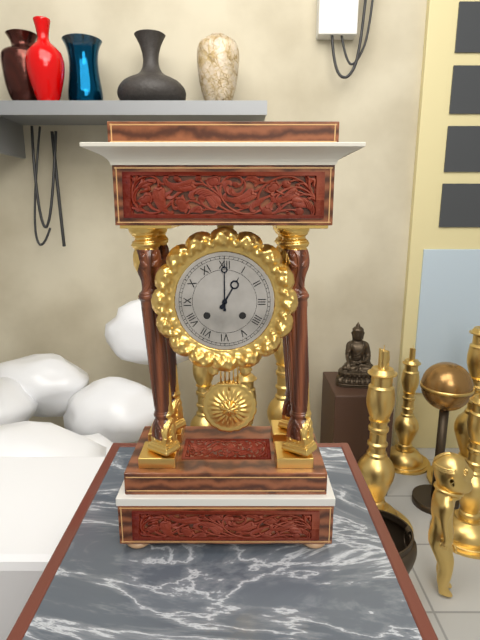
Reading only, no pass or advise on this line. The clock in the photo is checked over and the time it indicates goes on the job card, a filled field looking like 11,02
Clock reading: 1,00
